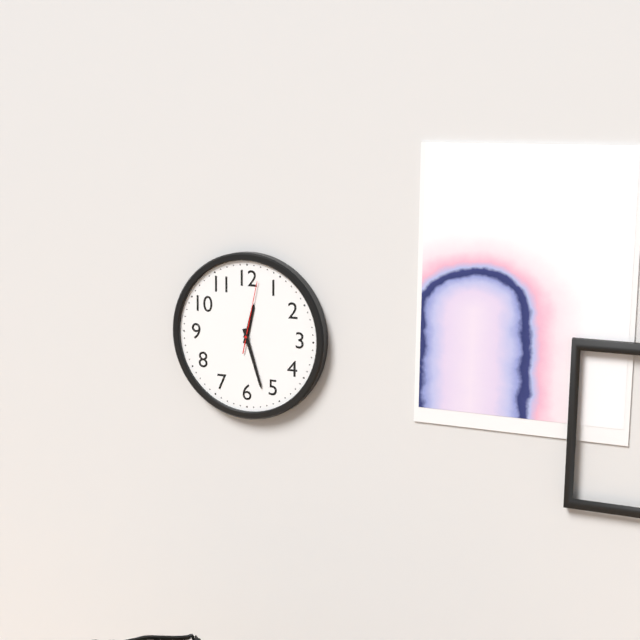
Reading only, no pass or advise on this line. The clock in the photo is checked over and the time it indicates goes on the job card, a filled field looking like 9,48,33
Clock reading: 12,27,02
